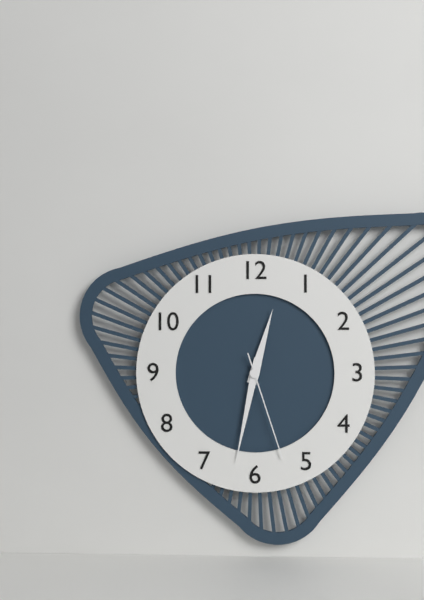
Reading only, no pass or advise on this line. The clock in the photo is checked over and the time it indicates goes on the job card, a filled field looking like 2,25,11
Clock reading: 12,32,27
